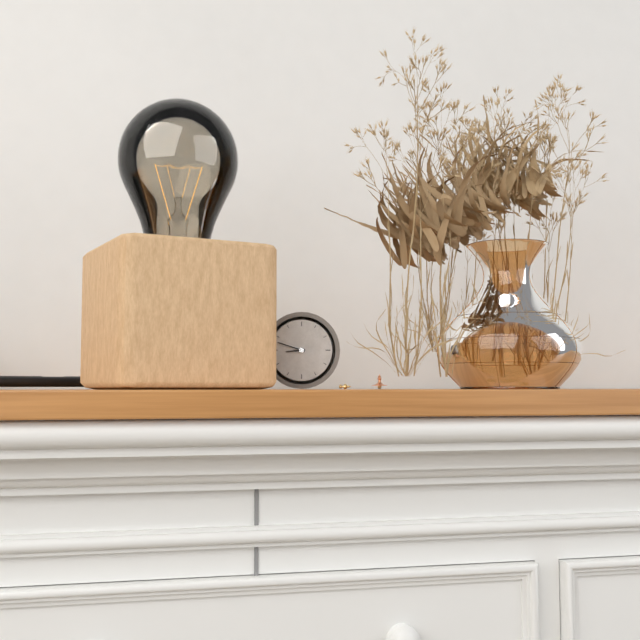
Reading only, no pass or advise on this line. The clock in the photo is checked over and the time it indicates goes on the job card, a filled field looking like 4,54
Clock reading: 8,48
